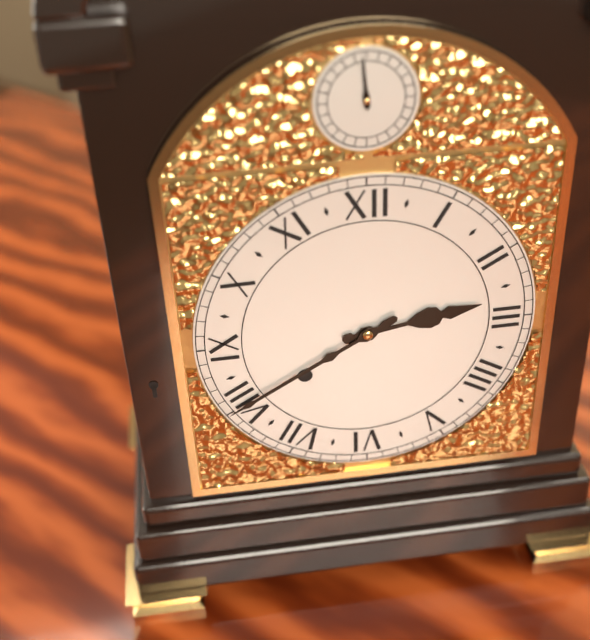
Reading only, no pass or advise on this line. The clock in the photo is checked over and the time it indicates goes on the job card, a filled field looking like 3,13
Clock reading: 2,40
